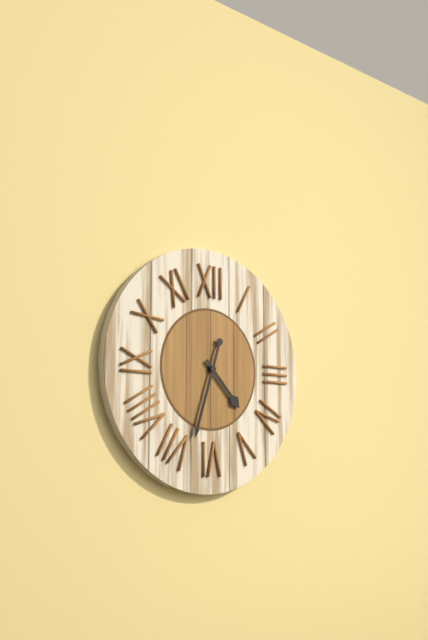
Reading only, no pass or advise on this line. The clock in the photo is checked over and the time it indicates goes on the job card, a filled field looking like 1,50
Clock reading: 4,33
